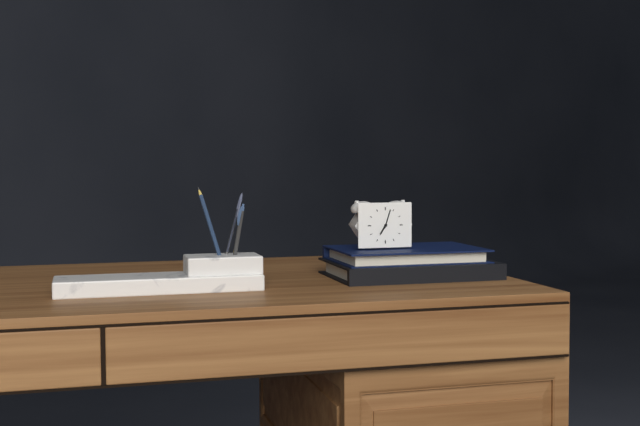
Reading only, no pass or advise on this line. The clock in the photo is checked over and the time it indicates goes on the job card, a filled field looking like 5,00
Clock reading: 7,03
